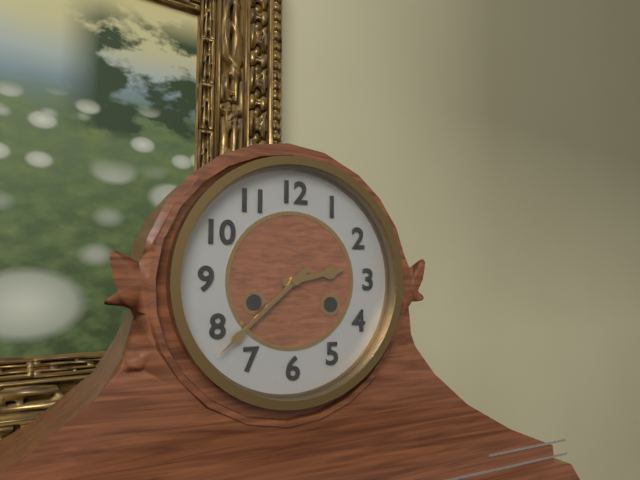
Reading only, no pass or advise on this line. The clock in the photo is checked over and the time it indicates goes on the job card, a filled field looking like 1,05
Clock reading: 2,38
